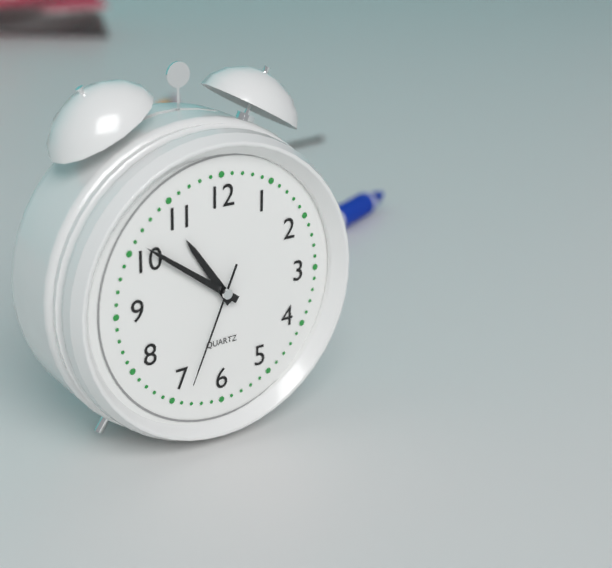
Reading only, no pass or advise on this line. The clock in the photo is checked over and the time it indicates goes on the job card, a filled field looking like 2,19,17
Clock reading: 10,51,34
